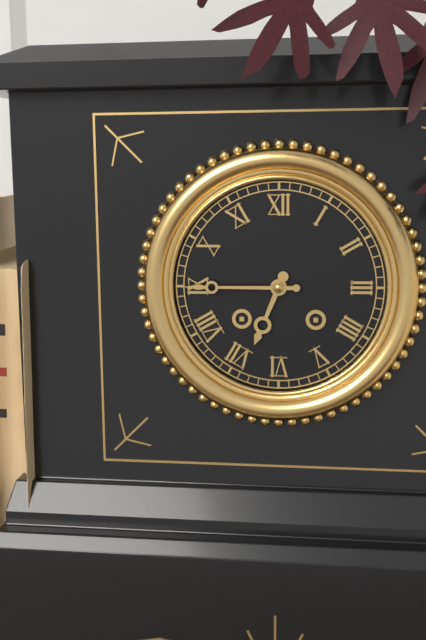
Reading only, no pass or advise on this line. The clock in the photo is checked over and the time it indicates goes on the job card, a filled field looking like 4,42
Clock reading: 6,45
